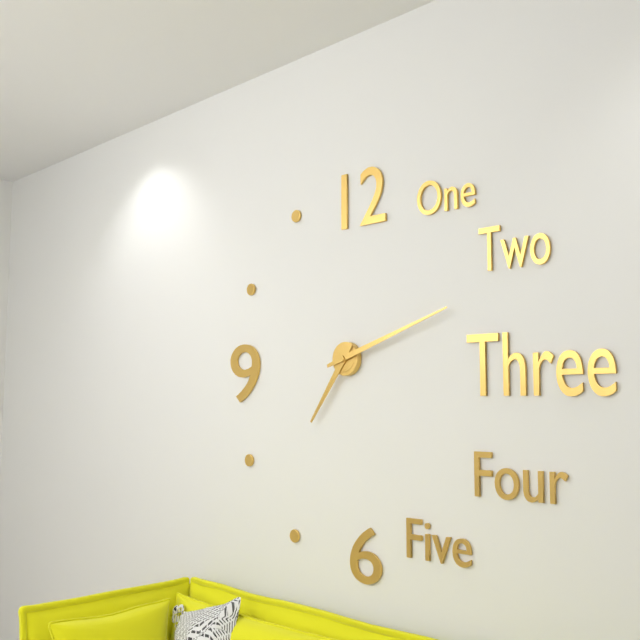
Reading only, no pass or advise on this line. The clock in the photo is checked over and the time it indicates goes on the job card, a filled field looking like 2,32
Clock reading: 7,12
